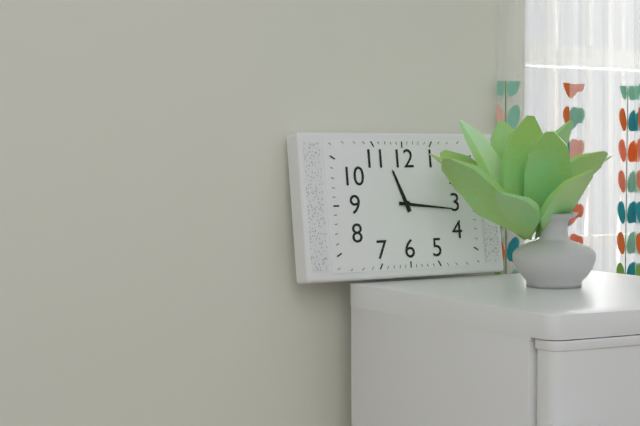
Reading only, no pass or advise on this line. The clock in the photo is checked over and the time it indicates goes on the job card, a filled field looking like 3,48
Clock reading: 11,16
